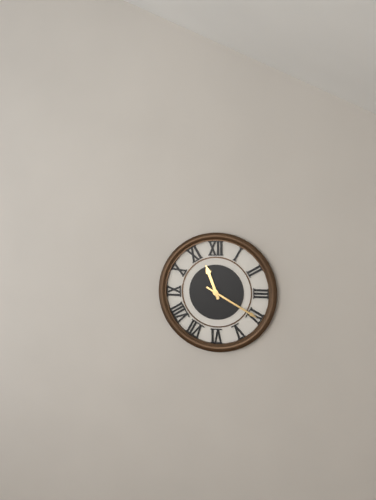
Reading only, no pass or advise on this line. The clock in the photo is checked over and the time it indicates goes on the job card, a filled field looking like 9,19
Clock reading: 11,20
